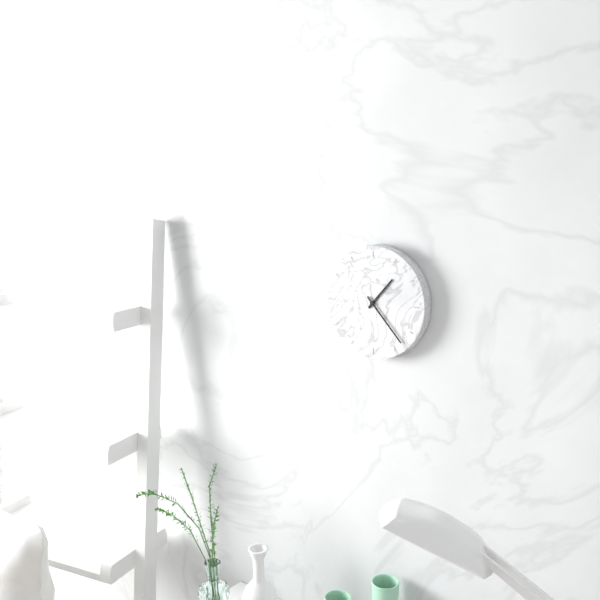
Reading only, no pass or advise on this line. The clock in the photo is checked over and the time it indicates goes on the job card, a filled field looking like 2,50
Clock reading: 1,23
